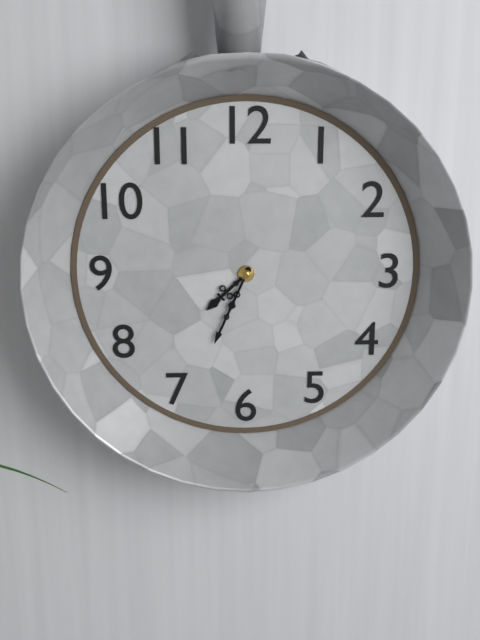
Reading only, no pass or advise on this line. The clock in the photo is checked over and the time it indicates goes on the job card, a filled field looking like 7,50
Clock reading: 7,34
